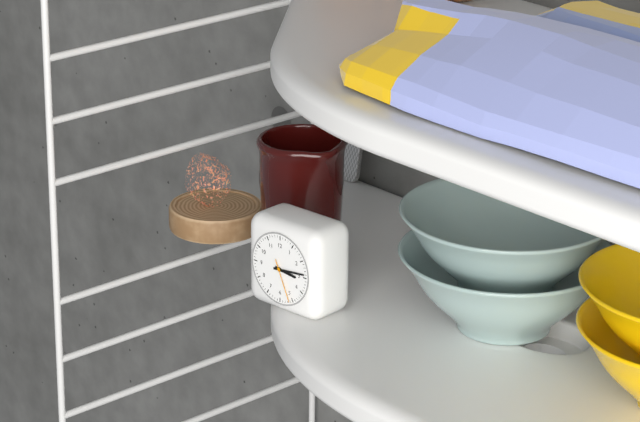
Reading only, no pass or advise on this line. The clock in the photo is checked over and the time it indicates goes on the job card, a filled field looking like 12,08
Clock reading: 3,14
